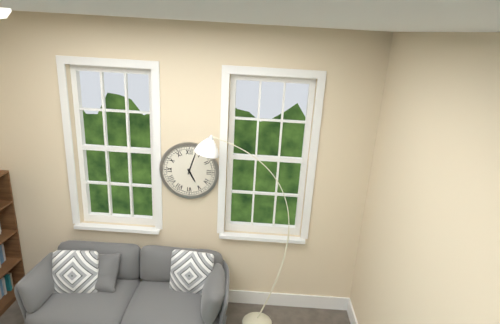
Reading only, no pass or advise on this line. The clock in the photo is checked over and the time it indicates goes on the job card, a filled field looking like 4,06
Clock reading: 5,03
